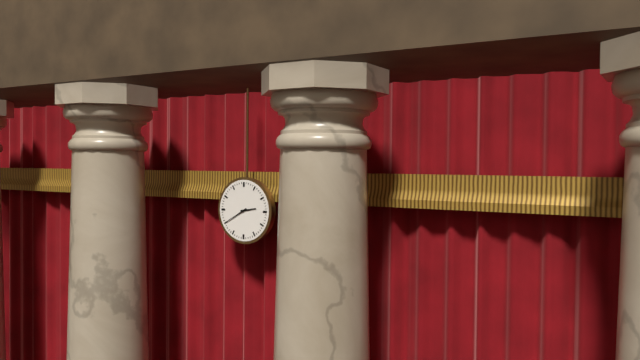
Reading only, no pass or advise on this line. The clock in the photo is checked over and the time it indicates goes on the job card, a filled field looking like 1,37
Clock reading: 2,40
